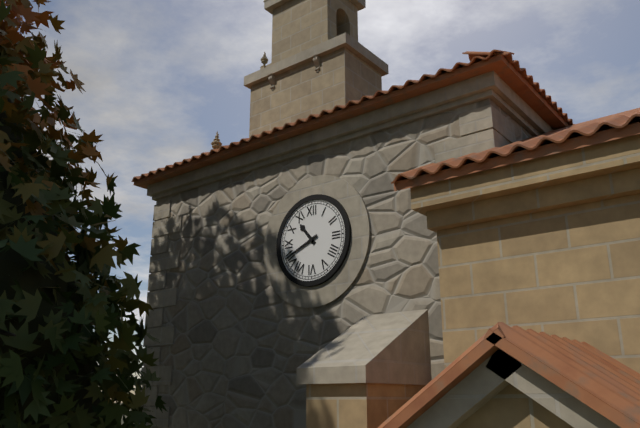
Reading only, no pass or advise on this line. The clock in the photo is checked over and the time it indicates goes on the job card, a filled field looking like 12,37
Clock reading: 10,41
